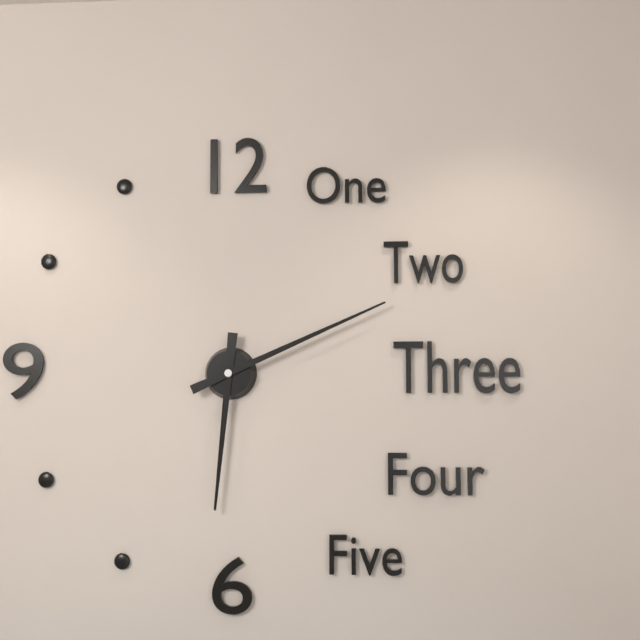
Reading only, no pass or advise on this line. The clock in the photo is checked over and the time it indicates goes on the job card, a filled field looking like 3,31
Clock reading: 6,11
